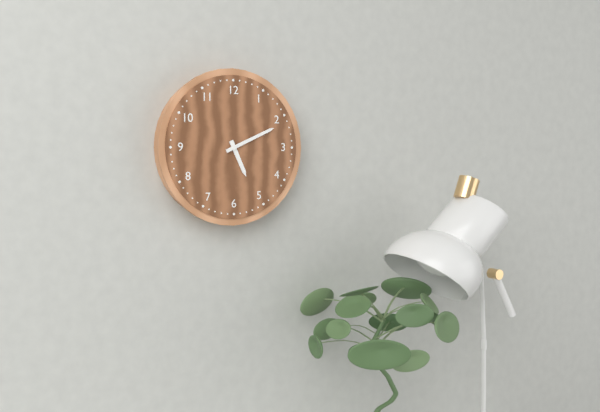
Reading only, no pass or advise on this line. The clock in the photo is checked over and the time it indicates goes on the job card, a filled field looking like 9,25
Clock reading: 5,11
